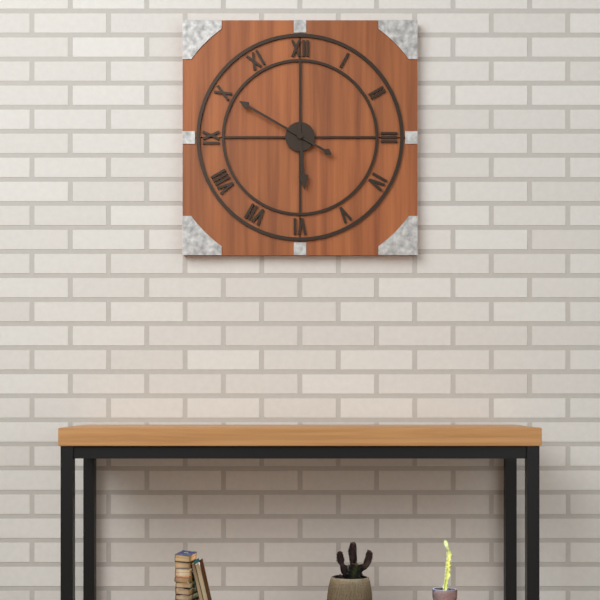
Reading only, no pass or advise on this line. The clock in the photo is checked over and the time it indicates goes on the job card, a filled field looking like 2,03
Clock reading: 5,50
